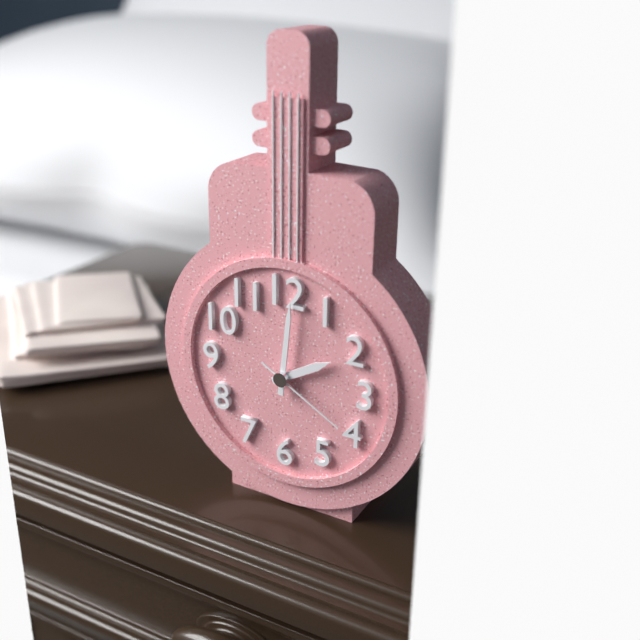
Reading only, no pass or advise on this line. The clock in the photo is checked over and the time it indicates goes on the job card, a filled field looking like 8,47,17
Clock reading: 2,01,20
